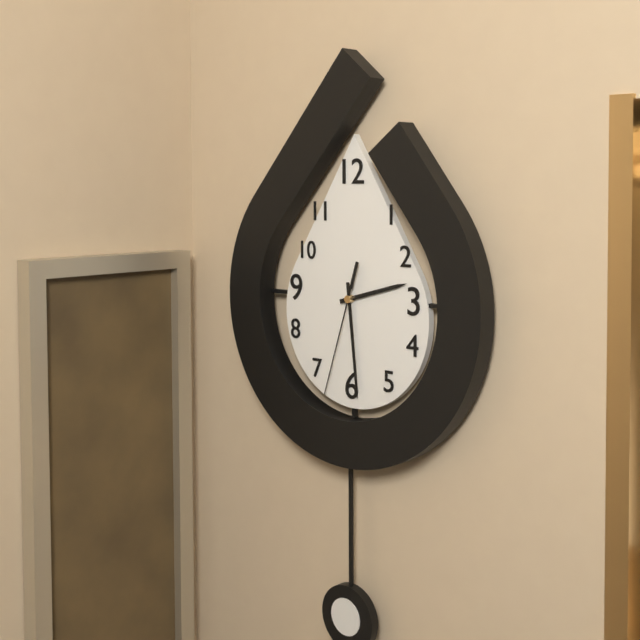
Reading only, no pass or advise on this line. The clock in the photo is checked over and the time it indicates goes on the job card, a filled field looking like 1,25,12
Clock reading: 2,29,33
